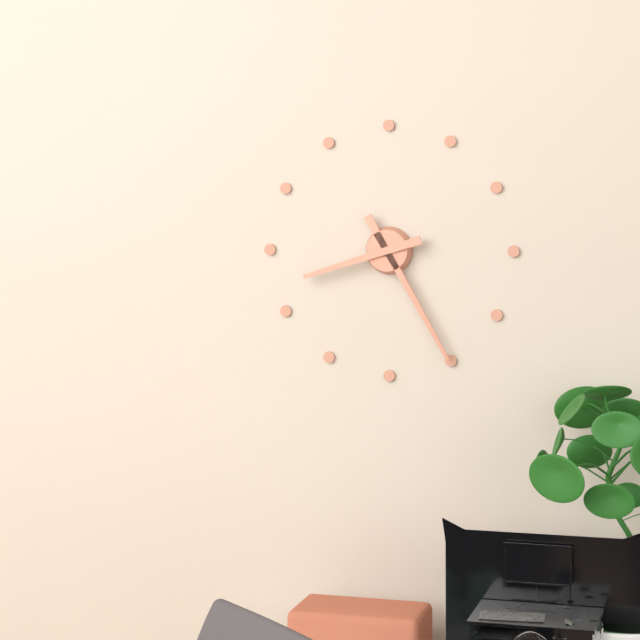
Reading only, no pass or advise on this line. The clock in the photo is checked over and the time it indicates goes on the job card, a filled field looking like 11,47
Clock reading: 8,25
